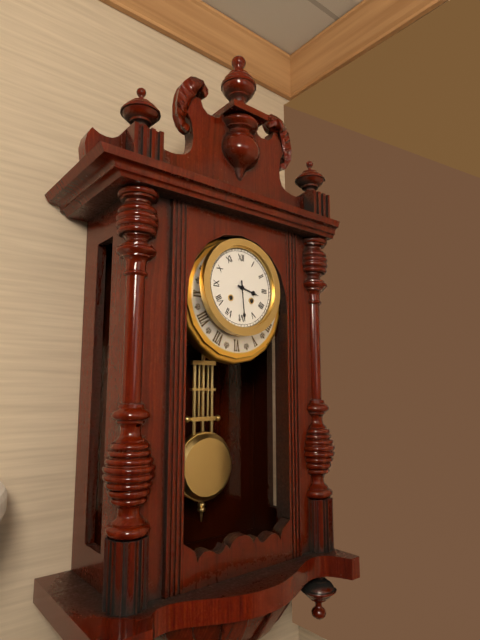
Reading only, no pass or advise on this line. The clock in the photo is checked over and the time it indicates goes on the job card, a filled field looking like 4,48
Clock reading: 3,29
